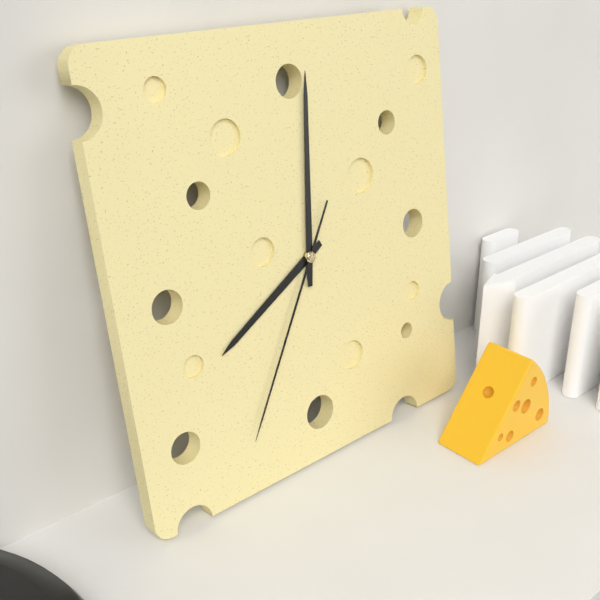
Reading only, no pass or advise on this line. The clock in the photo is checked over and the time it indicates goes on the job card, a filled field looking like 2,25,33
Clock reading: 8,01,35
